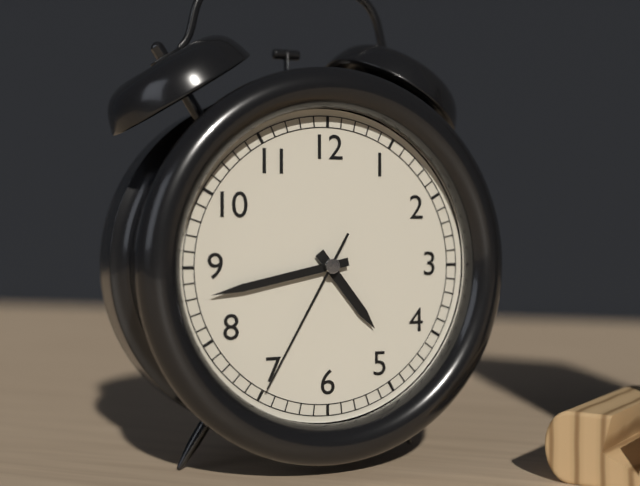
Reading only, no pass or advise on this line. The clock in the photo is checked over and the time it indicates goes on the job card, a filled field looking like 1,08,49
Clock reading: 4,43,35
